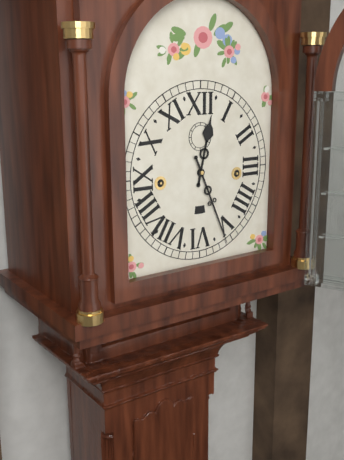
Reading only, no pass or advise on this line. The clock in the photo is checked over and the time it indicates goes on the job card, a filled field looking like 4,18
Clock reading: 12,26
